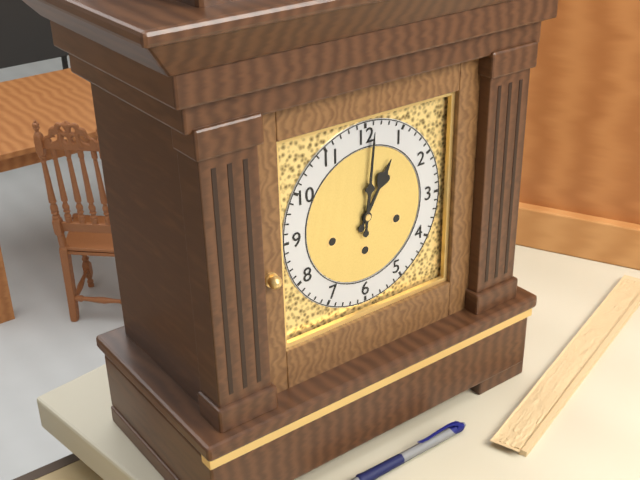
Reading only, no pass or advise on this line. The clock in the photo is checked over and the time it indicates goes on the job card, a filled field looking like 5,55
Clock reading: 1,01
